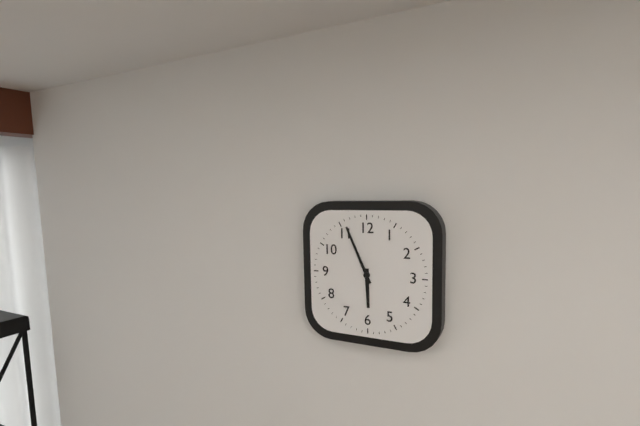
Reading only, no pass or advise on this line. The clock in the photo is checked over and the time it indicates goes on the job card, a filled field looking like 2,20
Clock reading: 5,56
